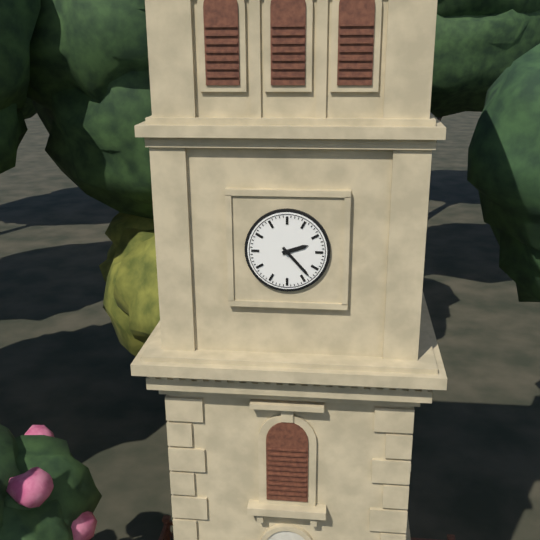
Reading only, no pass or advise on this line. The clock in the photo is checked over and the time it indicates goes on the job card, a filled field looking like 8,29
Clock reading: 2,23
